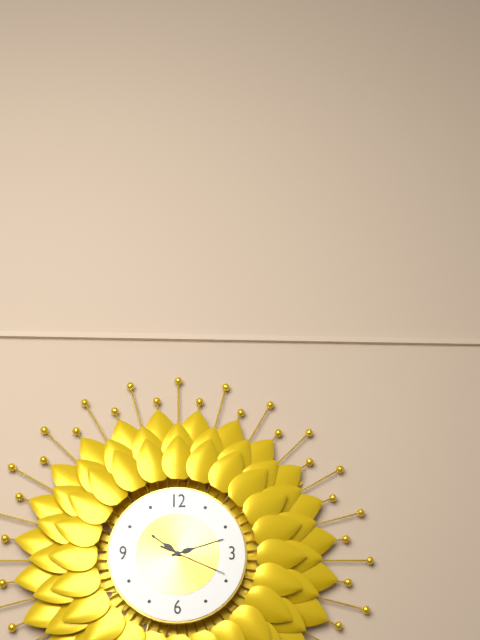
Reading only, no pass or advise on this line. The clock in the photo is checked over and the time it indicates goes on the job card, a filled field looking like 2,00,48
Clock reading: 10,12,19
